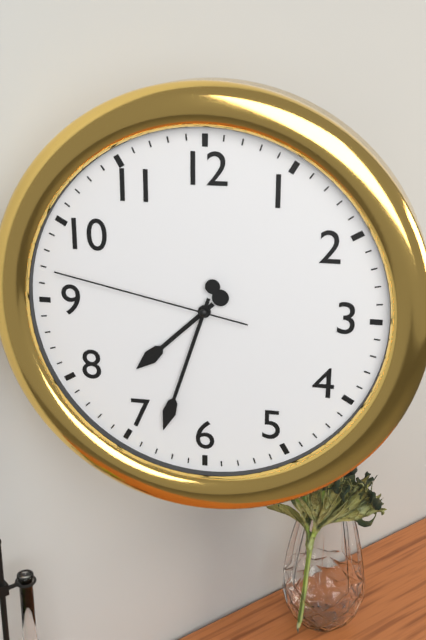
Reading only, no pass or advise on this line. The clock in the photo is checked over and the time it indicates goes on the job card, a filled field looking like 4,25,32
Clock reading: 7,33,47
